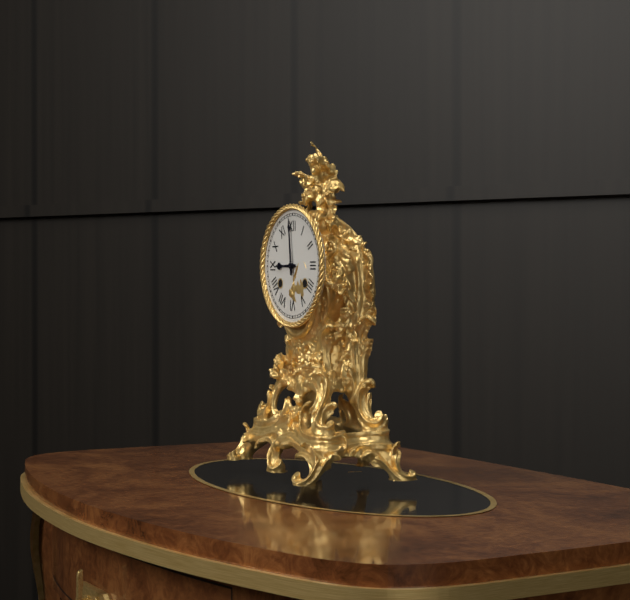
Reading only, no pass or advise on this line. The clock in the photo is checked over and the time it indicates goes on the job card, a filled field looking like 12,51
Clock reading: 8,59
